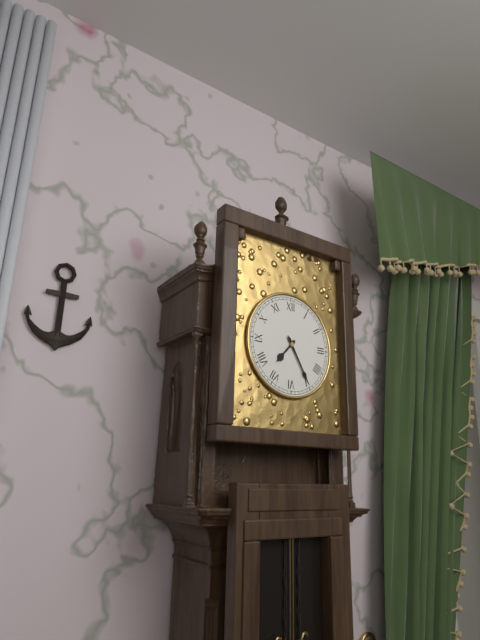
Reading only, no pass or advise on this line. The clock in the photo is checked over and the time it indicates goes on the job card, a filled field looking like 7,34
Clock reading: 7,25
